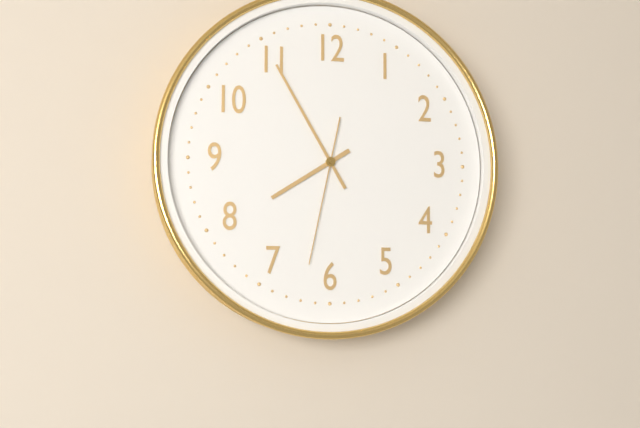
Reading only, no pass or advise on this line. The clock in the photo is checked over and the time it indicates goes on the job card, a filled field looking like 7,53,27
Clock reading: 7,55,32
